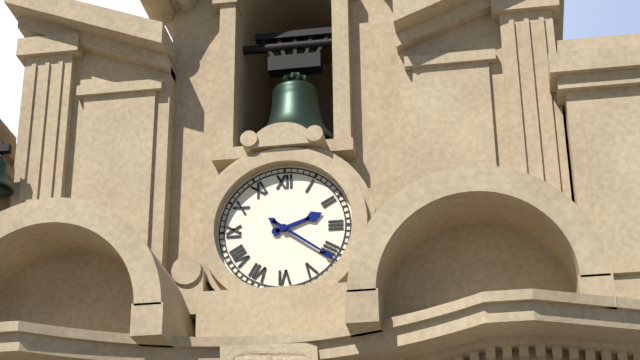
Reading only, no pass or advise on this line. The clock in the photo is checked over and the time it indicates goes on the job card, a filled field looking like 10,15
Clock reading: 2,21
